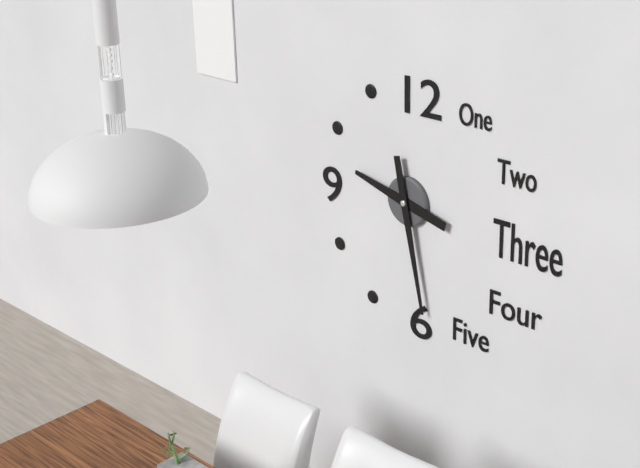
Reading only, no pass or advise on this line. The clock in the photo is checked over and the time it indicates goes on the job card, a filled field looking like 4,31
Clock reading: 9,28
